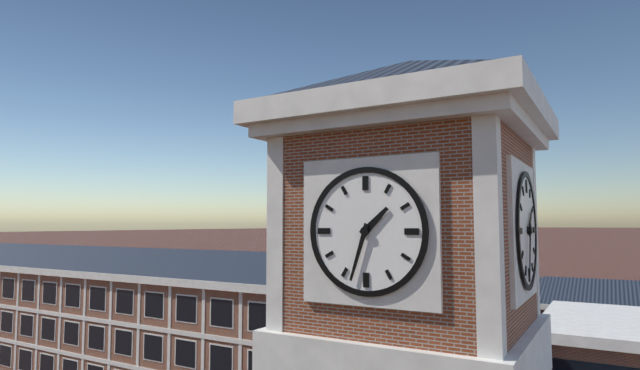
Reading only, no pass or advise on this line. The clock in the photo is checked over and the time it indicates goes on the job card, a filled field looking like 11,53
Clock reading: 1,33
